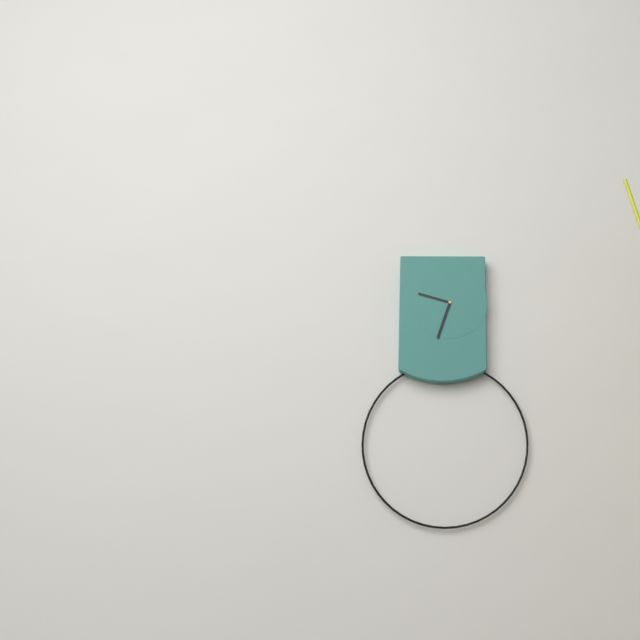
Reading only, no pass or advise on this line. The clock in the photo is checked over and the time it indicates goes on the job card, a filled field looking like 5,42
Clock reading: 9,33
